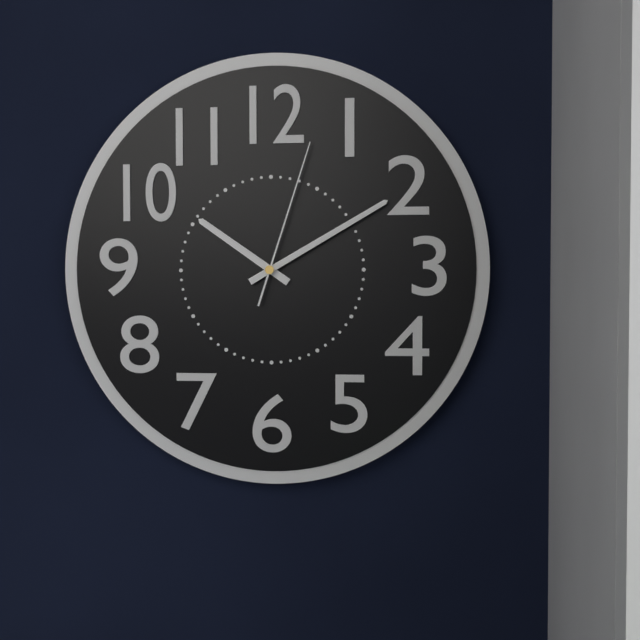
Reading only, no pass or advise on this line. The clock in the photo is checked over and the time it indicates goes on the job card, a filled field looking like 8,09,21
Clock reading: 10,10,03
